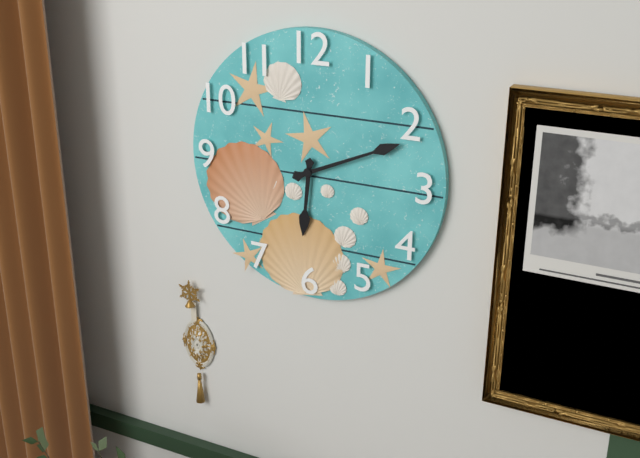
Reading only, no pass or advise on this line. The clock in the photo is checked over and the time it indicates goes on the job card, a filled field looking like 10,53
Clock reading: 6,11
